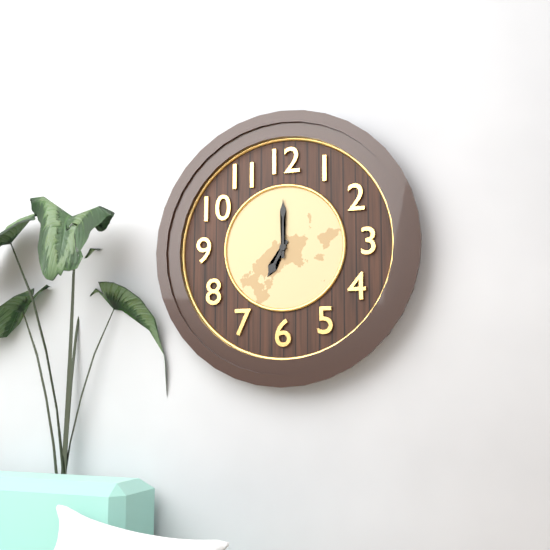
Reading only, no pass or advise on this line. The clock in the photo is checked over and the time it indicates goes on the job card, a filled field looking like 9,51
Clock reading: 7,00
